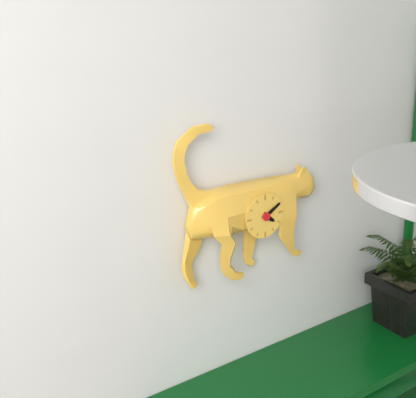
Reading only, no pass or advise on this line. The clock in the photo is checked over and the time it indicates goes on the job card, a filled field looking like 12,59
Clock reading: 4,10
